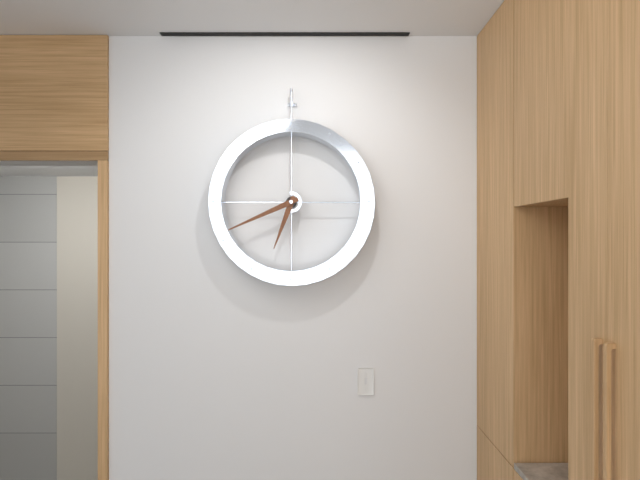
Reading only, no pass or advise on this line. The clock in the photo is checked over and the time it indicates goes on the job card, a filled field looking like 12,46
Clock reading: 6,41
